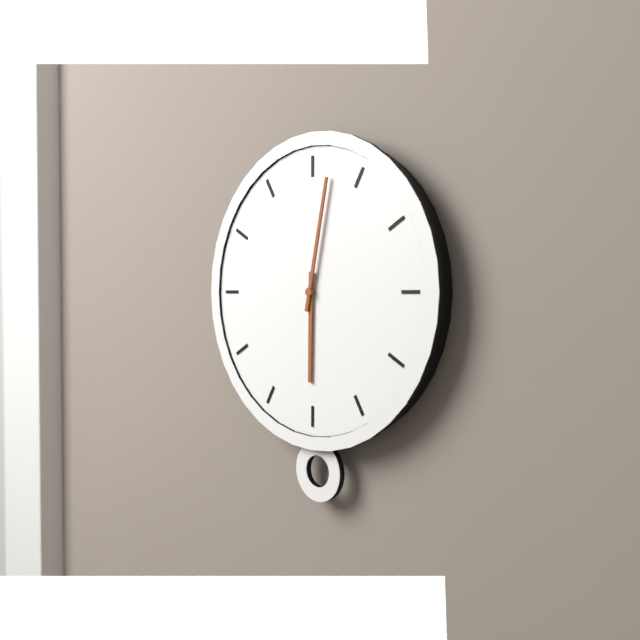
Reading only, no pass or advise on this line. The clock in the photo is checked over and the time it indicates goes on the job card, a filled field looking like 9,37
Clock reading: 6,02
